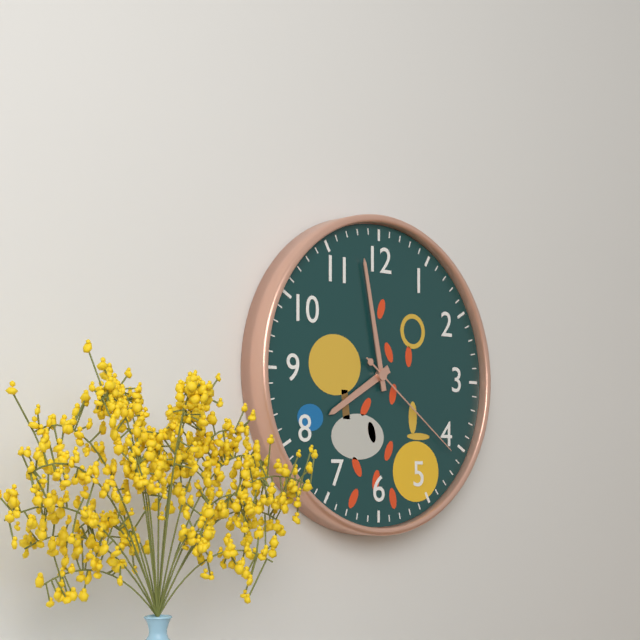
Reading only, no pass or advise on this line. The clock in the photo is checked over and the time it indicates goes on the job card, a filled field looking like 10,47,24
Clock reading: 7,58,21
